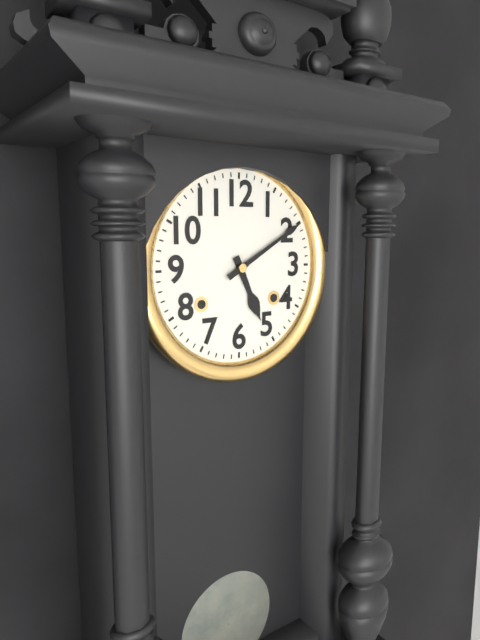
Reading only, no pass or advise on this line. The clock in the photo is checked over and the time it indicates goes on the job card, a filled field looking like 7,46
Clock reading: 5,10
